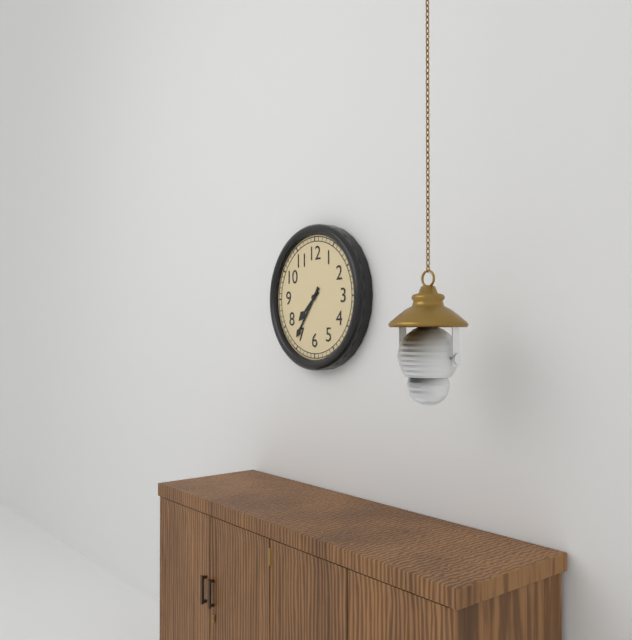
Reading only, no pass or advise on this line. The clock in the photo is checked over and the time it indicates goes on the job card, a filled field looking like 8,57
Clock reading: 7,36
